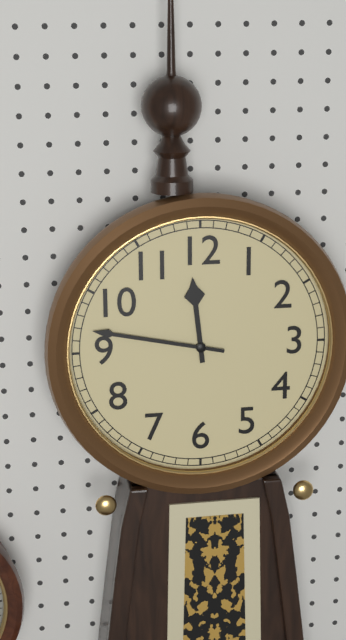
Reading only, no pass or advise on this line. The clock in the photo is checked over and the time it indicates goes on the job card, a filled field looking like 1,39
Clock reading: 11,47
